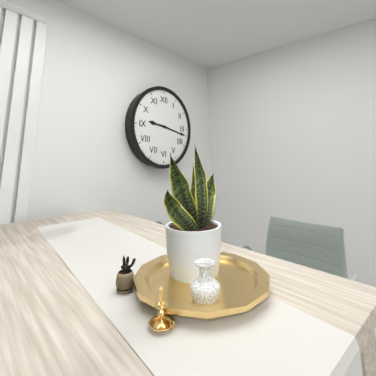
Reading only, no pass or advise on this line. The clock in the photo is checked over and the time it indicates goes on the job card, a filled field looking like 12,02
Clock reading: 9,17
